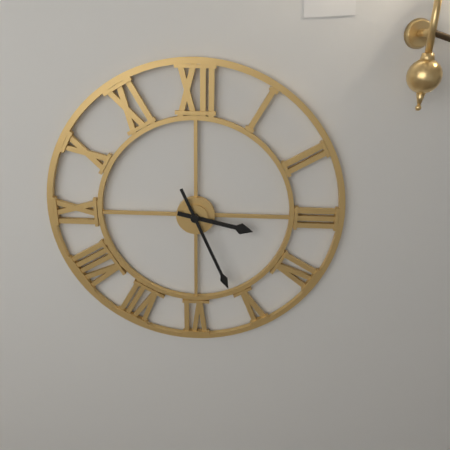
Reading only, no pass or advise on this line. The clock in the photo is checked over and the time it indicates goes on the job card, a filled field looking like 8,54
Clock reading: 3,26
